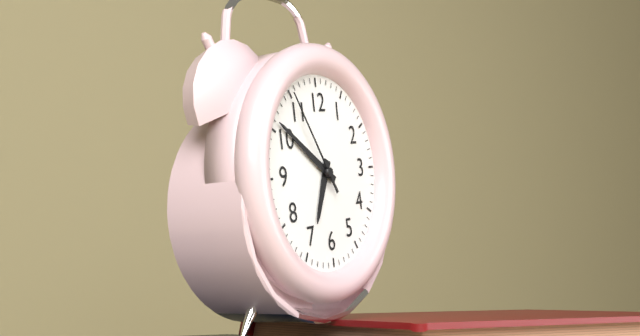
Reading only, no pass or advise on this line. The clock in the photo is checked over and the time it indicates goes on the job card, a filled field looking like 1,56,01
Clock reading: 6,51,55
